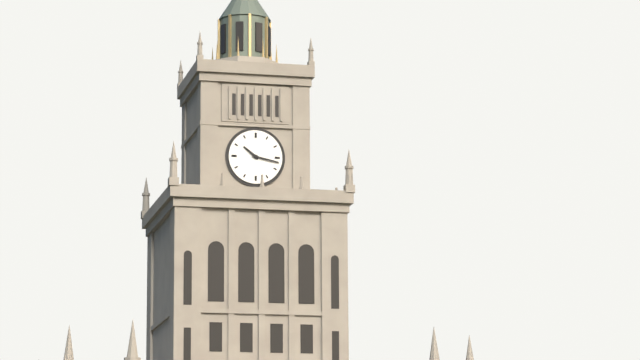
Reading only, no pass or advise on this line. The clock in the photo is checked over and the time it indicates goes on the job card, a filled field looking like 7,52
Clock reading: 10,17
